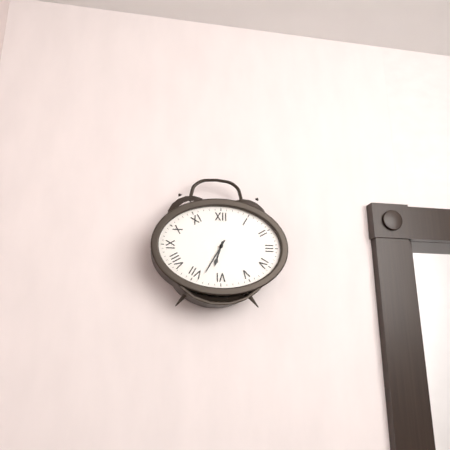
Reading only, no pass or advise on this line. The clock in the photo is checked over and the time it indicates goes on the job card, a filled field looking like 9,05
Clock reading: 6,35
